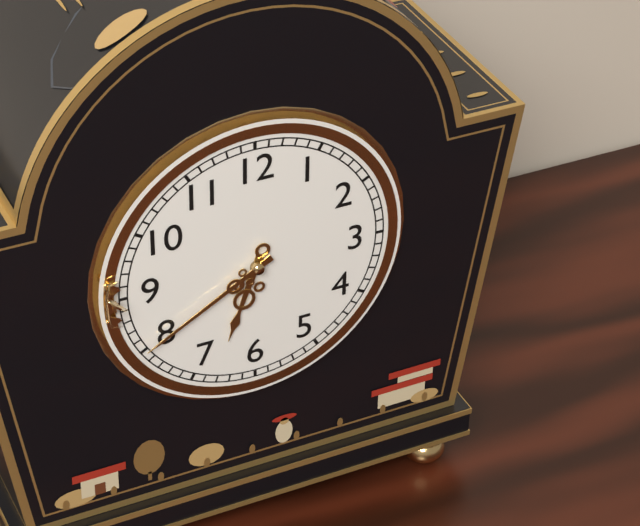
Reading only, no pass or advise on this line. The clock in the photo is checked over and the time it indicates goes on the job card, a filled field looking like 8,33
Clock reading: 6,40
